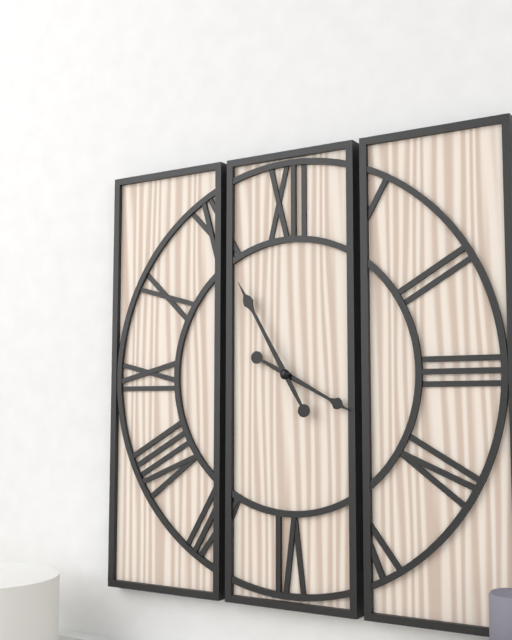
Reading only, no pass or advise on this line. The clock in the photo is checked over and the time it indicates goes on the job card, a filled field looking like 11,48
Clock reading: 3,55
